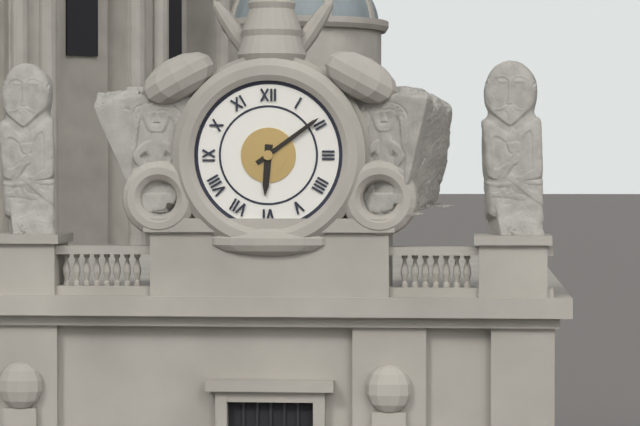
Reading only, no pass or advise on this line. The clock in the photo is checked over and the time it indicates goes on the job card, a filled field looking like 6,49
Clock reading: 6,09
